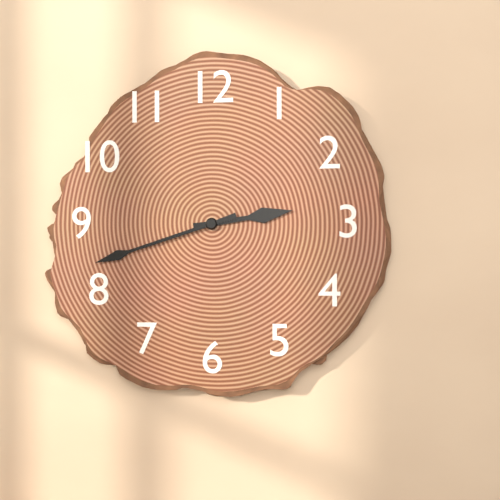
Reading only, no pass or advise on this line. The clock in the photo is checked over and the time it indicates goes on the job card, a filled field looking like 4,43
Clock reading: 2,42
